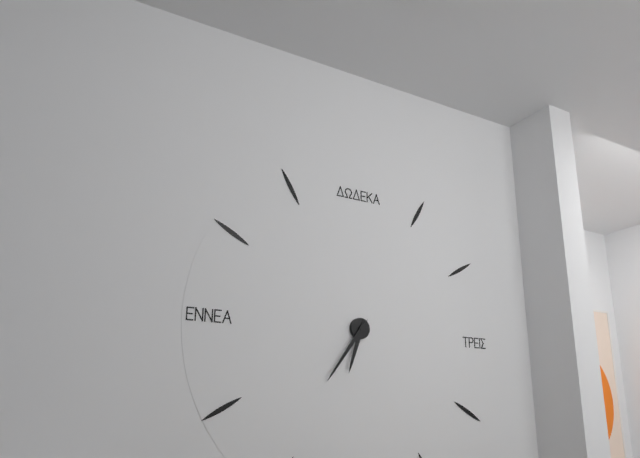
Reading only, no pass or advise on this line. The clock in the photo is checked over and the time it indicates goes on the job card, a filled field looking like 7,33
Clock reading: 6,36
